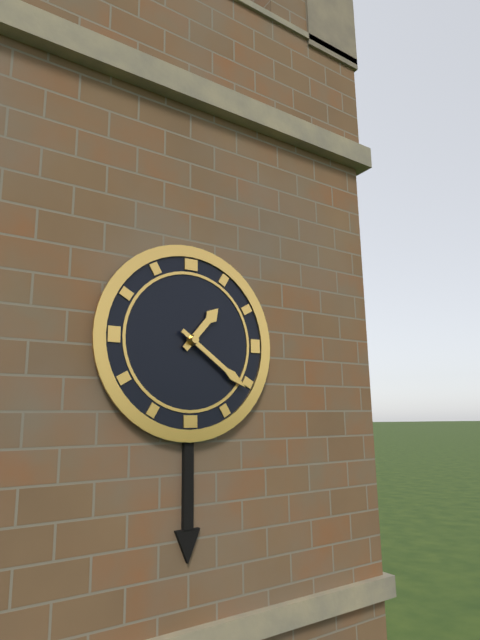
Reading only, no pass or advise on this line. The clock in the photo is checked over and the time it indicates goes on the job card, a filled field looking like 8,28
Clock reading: 1,21
